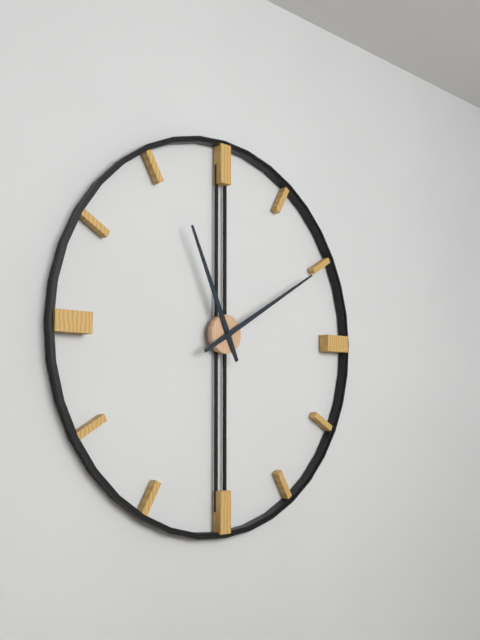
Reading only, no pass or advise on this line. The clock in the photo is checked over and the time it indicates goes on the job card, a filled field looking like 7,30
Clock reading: 11,10
